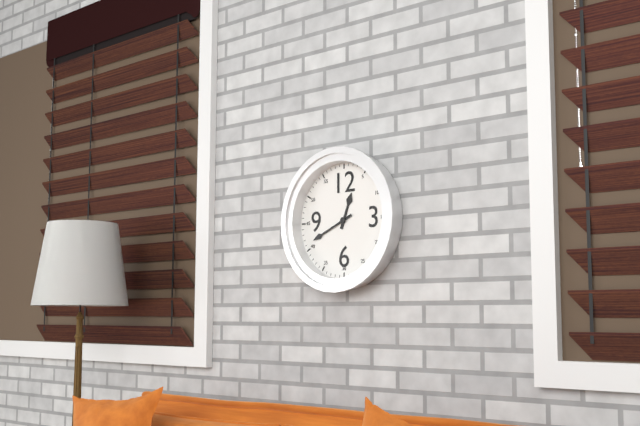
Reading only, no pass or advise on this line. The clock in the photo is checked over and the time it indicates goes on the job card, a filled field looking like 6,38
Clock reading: 12,41
